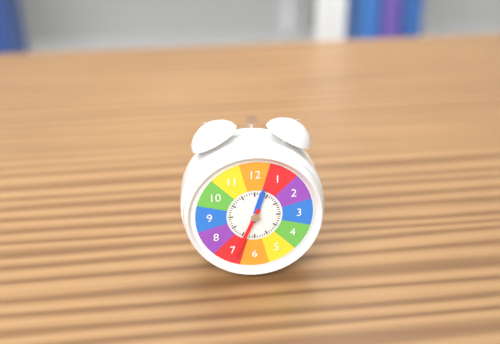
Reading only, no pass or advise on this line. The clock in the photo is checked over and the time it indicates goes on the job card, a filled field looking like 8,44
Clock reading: 12,34
